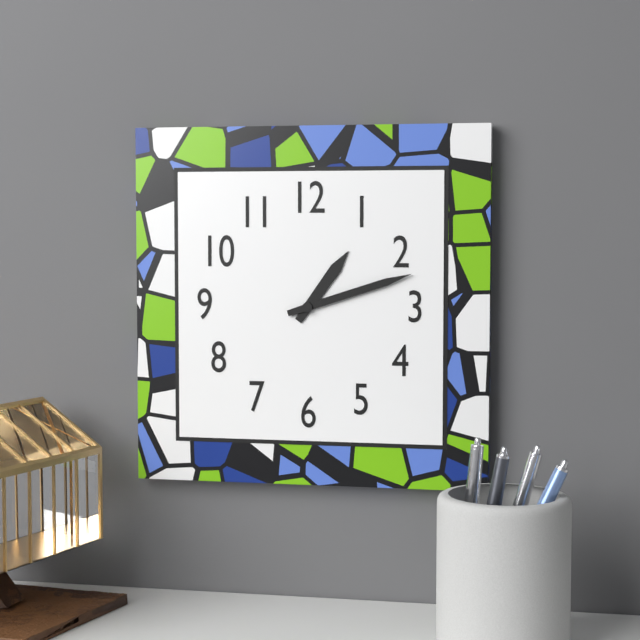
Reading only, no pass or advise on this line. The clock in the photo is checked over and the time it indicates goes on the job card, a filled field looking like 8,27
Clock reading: 1,12
